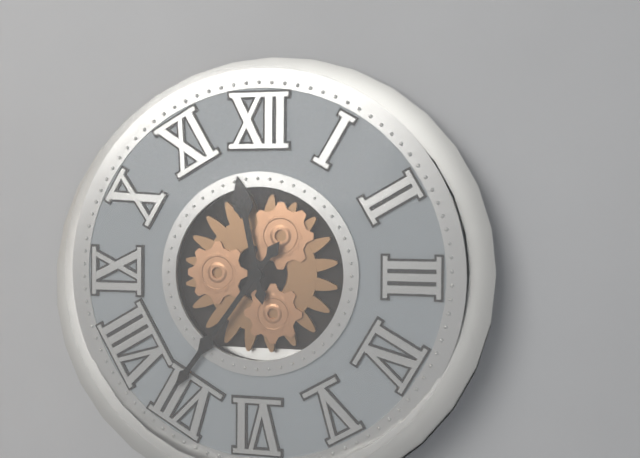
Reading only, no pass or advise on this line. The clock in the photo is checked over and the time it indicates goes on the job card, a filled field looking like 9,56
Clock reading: 11,36
